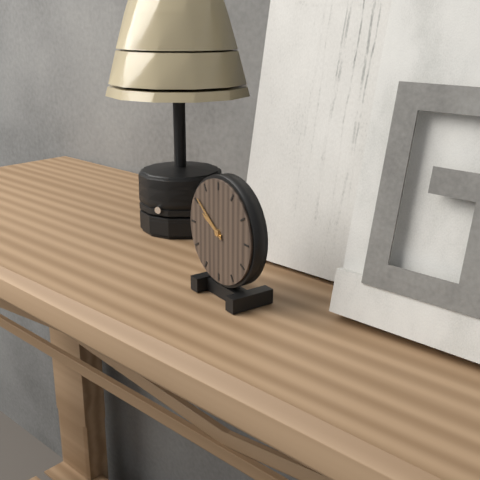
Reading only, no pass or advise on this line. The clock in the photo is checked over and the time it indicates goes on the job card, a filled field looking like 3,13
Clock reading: 9,51
